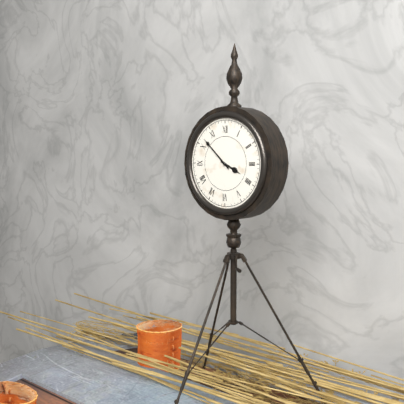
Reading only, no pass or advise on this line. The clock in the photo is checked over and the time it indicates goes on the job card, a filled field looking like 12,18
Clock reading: 3,52
